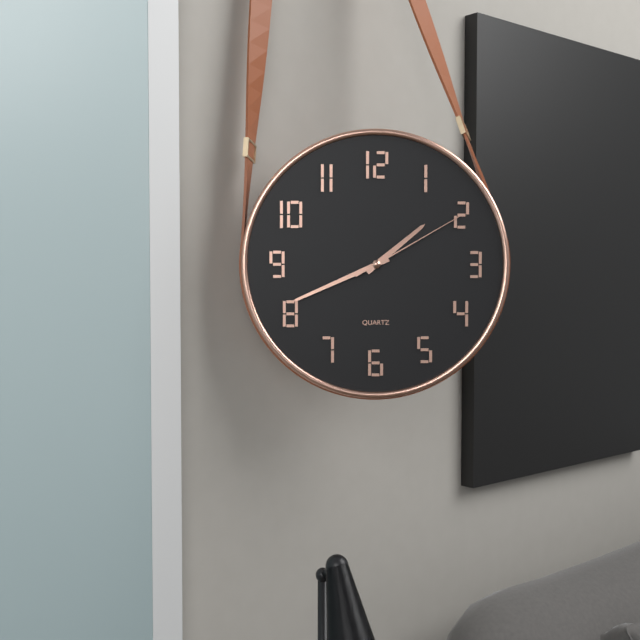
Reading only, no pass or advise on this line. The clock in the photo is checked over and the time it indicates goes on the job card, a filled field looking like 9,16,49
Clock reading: 1,41,10
